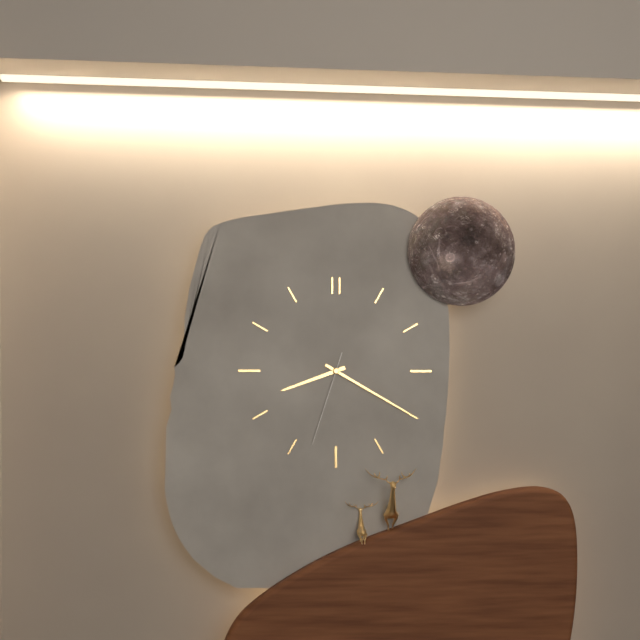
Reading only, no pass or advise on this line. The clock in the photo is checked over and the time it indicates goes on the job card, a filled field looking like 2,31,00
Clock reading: 8,20,33
